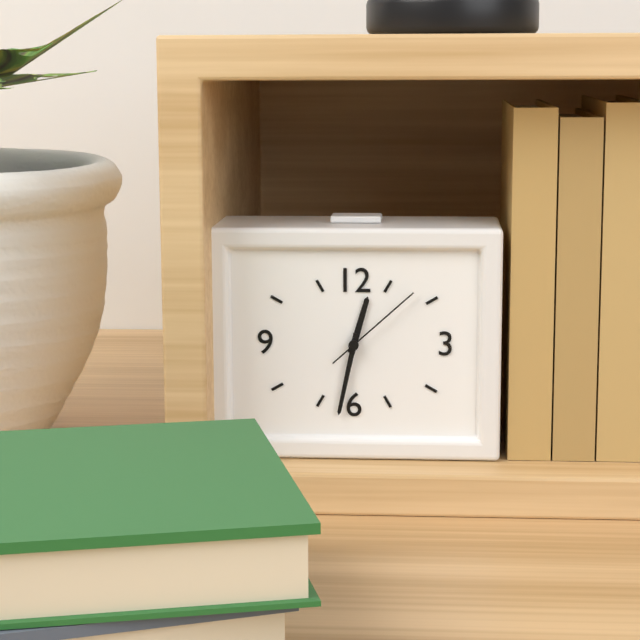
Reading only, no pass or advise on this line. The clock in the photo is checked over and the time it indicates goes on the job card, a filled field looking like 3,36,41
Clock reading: 12,32,08
